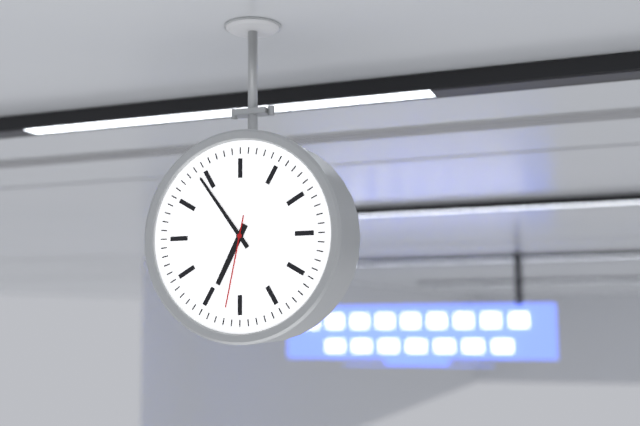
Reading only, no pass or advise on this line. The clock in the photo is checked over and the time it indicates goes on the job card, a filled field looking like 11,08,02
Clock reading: 6,54,32
